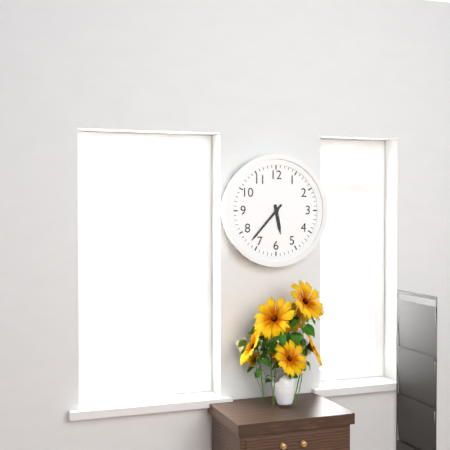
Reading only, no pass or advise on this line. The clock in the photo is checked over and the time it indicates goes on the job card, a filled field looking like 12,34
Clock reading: 5,37
